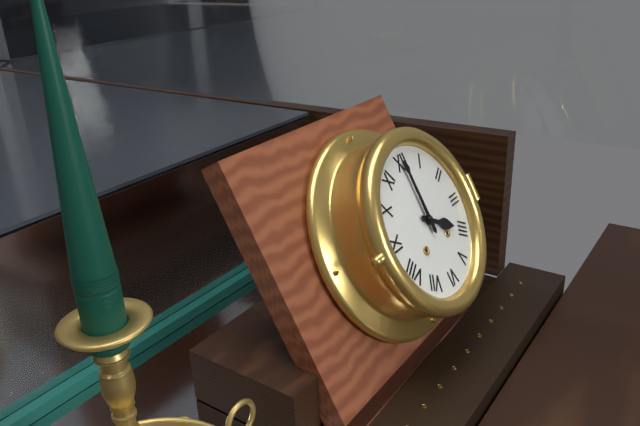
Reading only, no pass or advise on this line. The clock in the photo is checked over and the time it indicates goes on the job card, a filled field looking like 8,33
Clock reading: 4,00
